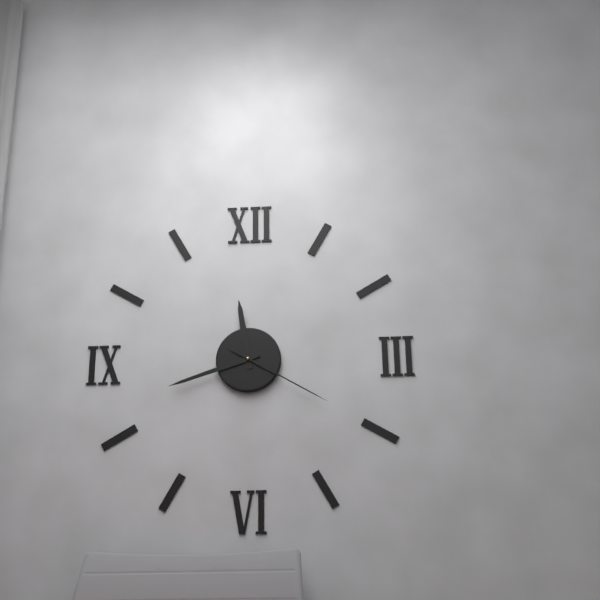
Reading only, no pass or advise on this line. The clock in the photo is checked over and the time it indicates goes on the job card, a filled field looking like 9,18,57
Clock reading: 11,42,20
